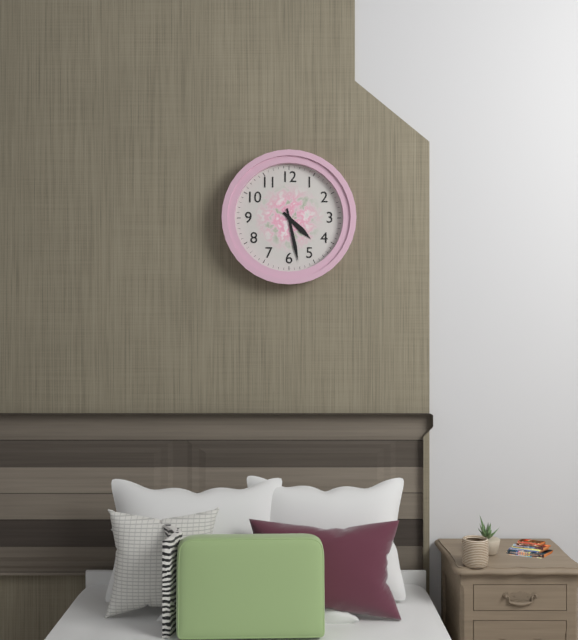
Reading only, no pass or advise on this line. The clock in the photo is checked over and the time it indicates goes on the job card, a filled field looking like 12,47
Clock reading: 4,28
